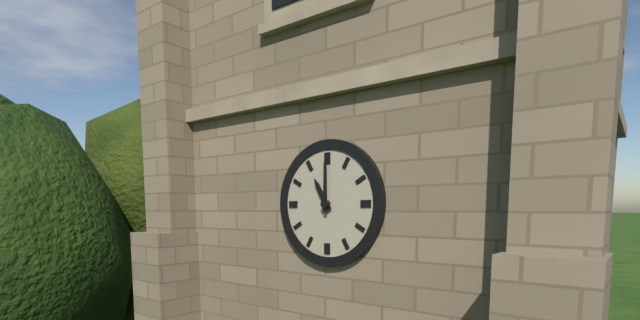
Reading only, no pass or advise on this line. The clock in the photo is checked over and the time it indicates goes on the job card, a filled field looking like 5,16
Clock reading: 11,00
